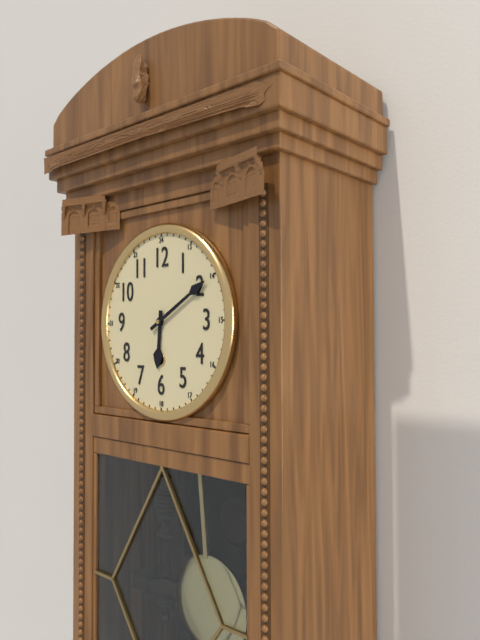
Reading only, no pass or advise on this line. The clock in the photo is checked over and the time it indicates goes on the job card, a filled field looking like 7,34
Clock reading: 6,10
